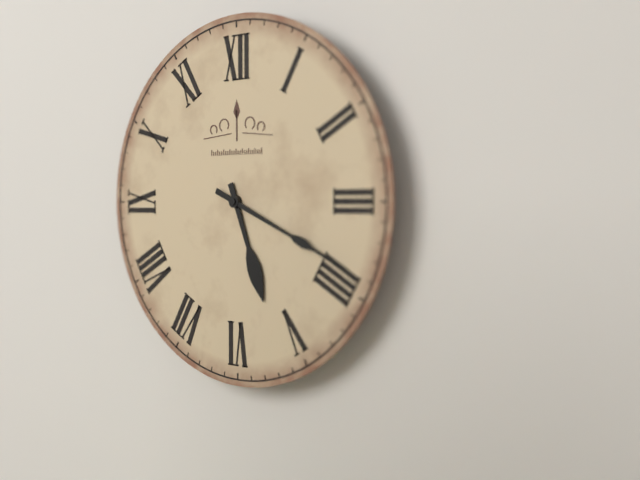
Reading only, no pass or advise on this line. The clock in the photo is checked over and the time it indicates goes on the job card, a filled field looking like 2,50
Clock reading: 5,19
